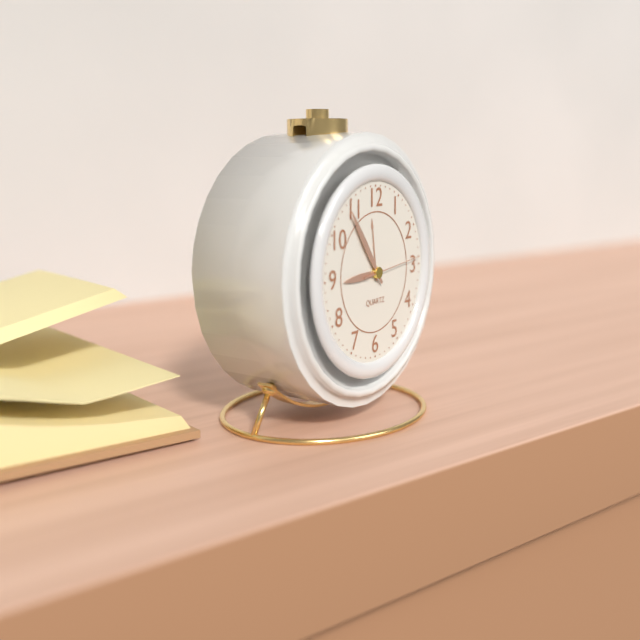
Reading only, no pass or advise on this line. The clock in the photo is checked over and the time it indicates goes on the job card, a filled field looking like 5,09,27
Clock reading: 8,54,14
